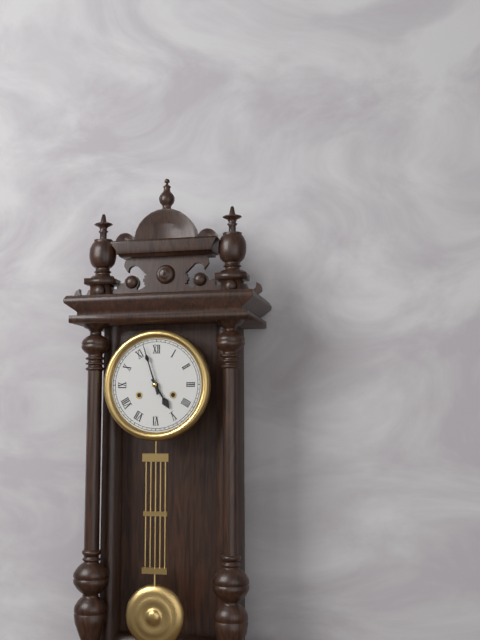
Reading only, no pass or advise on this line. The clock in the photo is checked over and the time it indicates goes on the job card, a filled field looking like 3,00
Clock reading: 4,57
